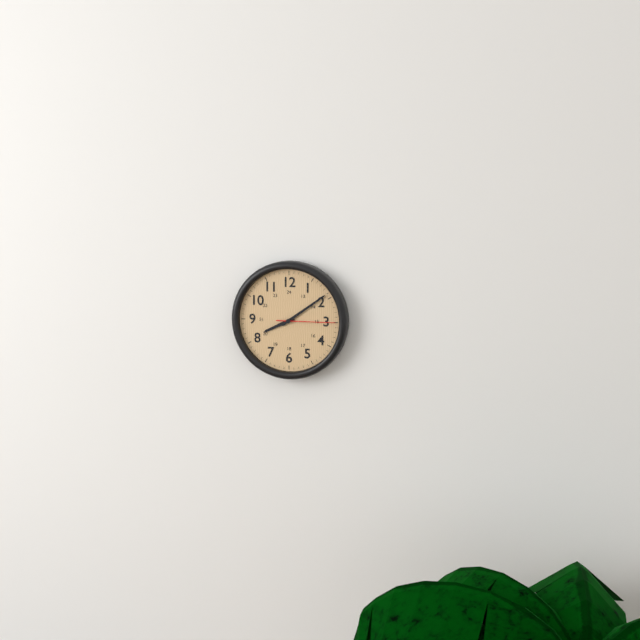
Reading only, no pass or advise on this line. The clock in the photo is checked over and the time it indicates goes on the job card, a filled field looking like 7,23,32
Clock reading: 8,09,15
